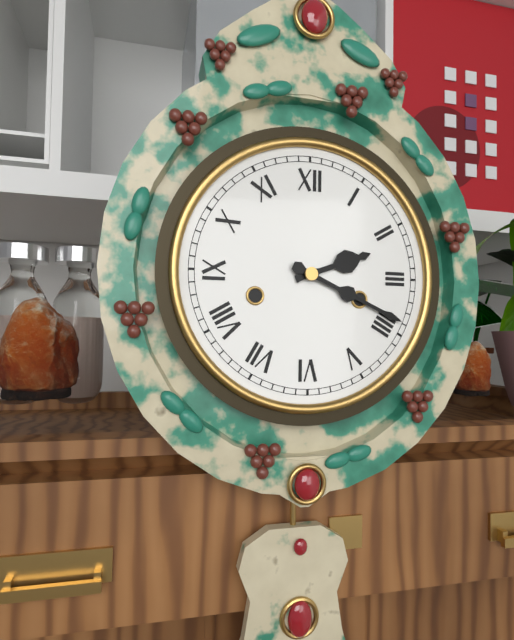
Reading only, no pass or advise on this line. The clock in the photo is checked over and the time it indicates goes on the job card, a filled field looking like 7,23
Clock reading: 2,19
